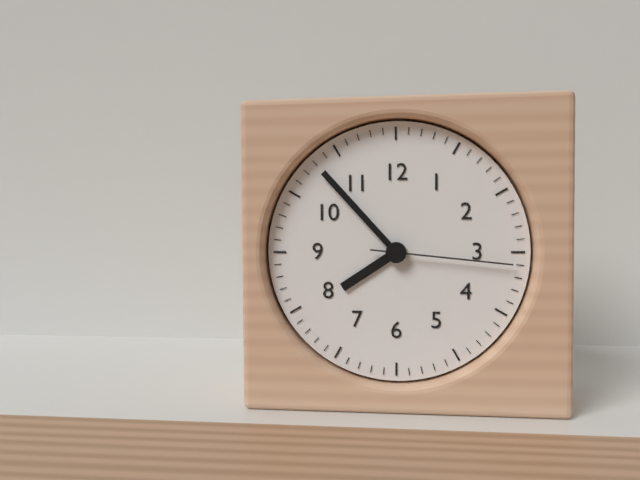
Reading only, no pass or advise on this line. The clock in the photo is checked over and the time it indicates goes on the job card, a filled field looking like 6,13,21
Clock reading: 7,53,16
